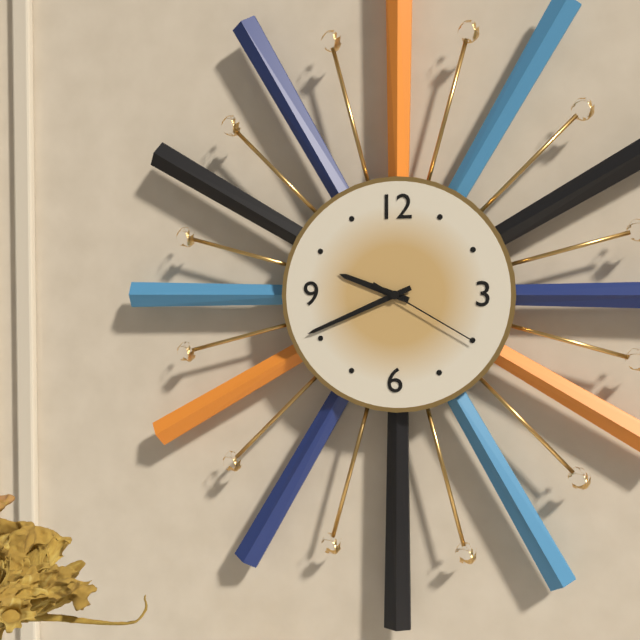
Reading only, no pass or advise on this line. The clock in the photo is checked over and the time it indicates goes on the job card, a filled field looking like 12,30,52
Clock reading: 9,41,20
